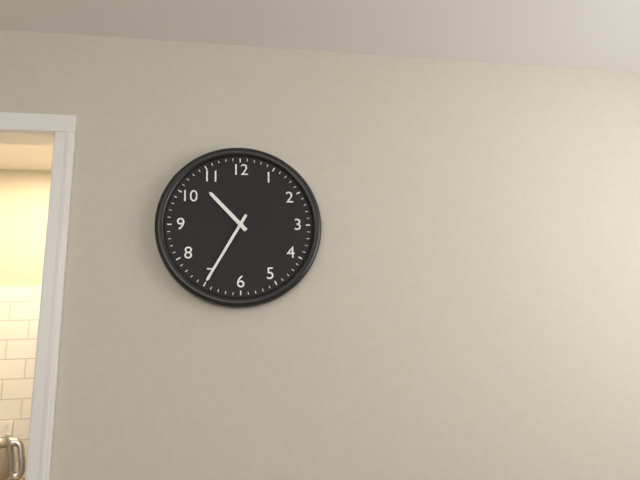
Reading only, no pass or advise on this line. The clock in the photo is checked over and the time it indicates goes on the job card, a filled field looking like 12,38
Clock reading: 10,35
